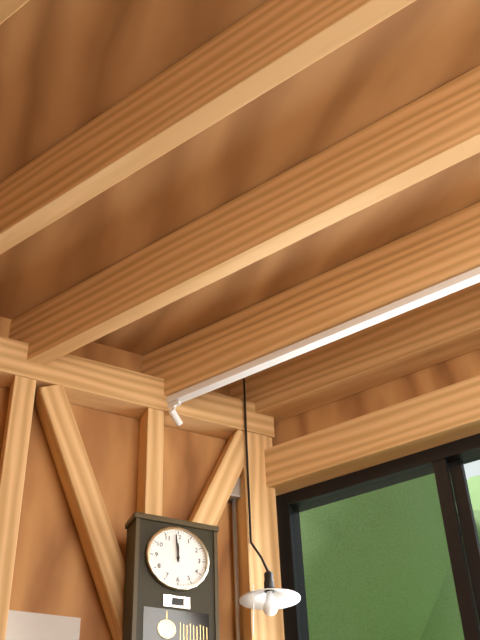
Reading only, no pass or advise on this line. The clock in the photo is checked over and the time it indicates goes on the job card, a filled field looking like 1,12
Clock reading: 11,59
